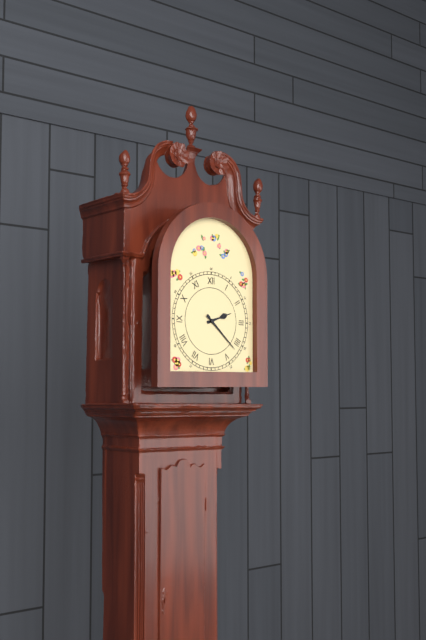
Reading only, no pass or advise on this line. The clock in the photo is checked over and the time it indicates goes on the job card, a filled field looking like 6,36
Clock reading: 2,22
